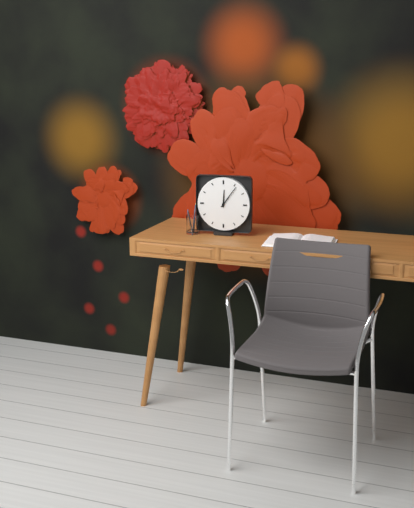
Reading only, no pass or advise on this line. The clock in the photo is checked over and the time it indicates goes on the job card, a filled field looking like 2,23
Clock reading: 12,06
